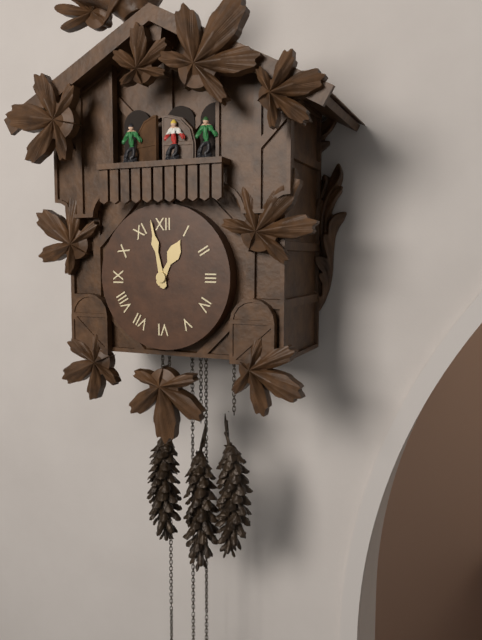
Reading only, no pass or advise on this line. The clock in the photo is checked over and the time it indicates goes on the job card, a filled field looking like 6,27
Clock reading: 12,58
